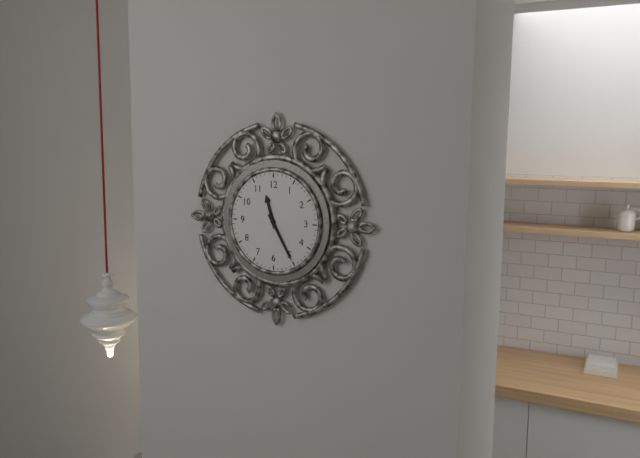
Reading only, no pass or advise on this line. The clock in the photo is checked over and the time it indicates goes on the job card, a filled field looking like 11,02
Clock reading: 11,25
